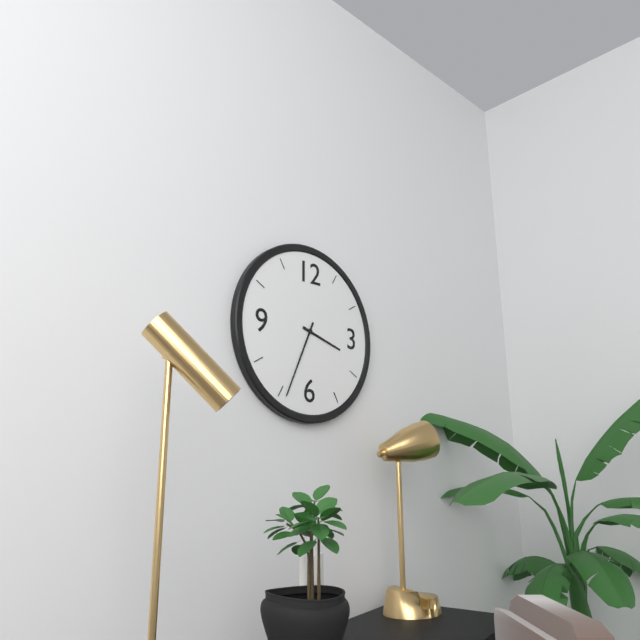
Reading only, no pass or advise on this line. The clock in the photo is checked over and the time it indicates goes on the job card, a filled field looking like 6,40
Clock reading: 3,34
